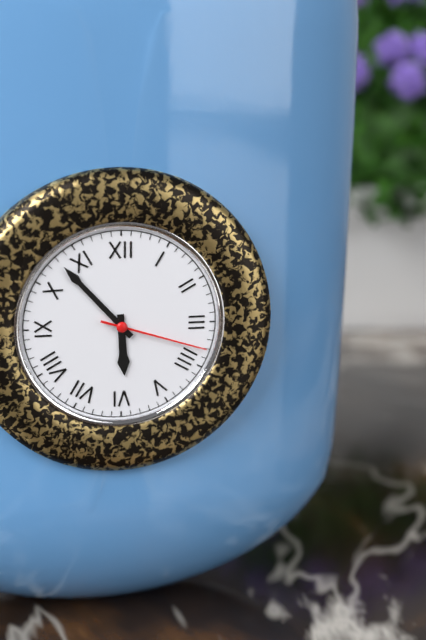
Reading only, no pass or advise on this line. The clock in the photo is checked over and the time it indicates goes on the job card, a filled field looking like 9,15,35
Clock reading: 5,53,18
